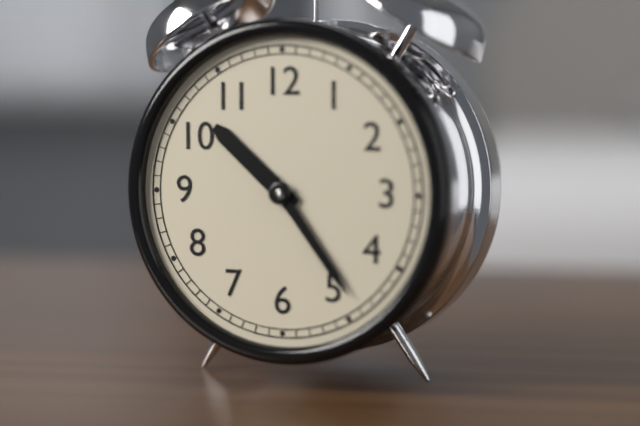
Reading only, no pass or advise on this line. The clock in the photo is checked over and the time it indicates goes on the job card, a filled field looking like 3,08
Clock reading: 10,24
